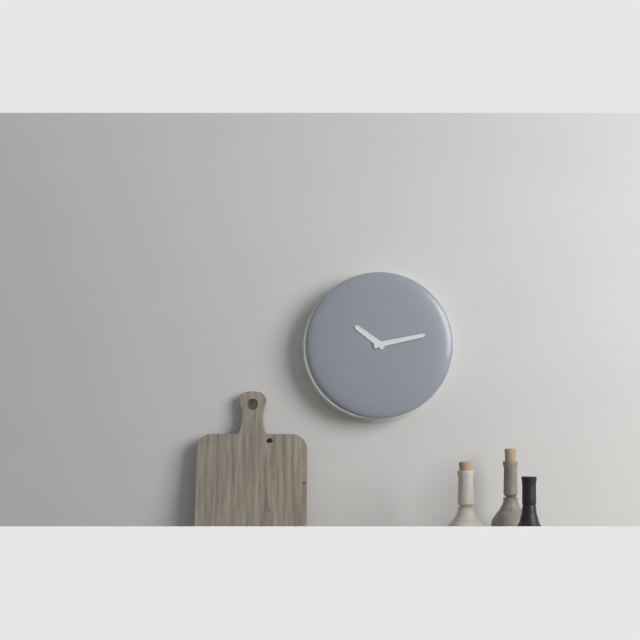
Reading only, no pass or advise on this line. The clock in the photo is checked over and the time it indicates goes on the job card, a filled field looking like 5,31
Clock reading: 10,13
